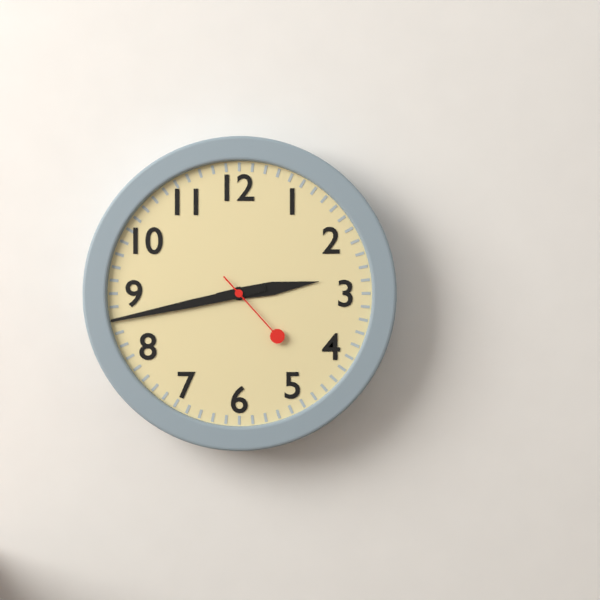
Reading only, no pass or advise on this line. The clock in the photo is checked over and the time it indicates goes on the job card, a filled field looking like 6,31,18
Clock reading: 2,43,23
